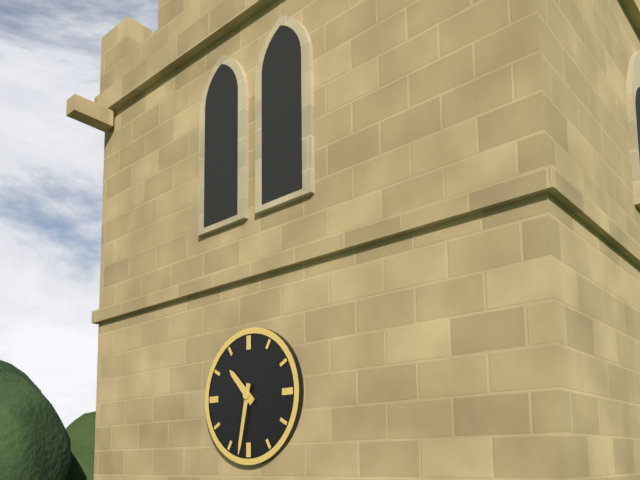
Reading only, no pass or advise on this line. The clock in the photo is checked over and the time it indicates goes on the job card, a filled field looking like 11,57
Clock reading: 10,32
